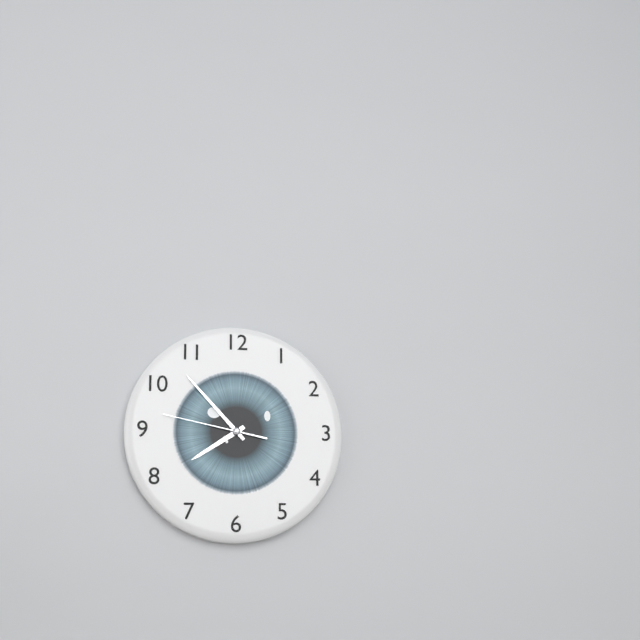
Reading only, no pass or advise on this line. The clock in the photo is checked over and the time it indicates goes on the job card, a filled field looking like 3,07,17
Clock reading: 7,53,47
